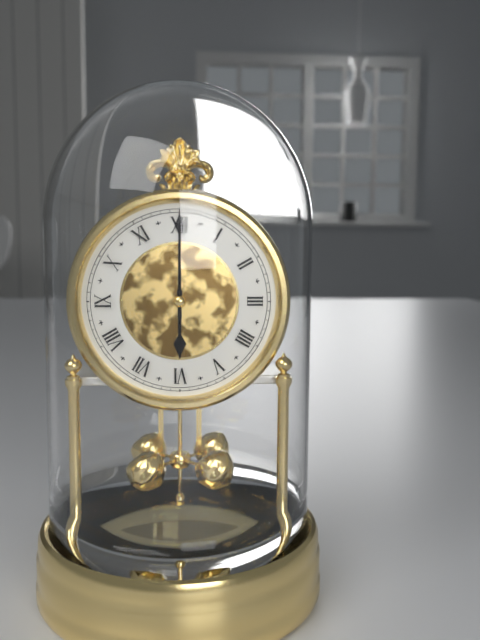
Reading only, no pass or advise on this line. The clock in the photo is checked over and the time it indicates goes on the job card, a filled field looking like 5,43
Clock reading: 6,00
